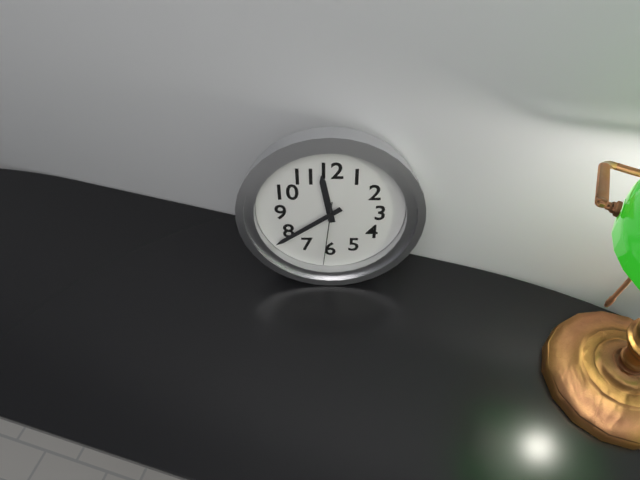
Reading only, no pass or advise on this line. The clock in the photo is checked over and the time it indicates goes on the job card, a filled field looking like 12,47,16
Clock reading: 11,39,31
